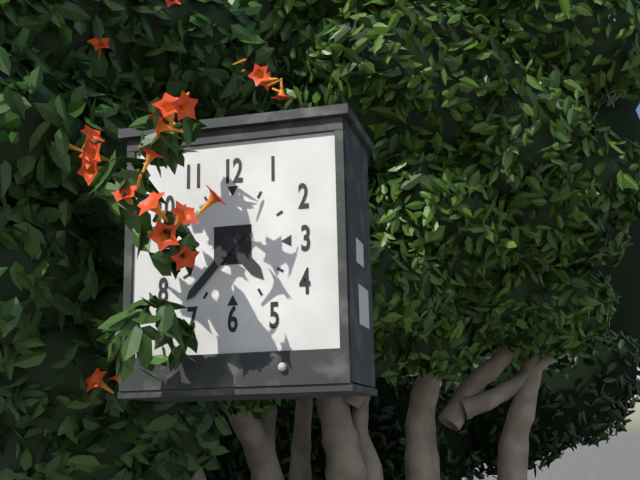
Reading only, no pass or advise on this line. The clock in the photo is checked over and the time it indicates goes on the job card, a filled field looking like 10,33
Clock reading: 4,37
